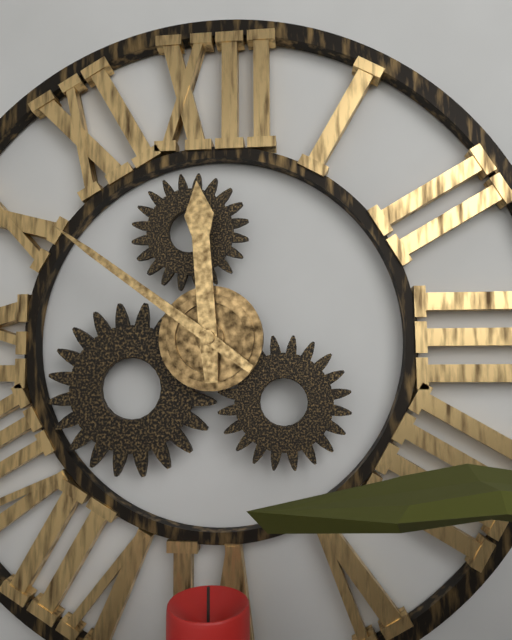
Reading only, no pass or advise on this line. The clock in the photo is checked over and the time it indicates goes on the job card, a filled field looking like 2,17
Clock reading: 11,51
